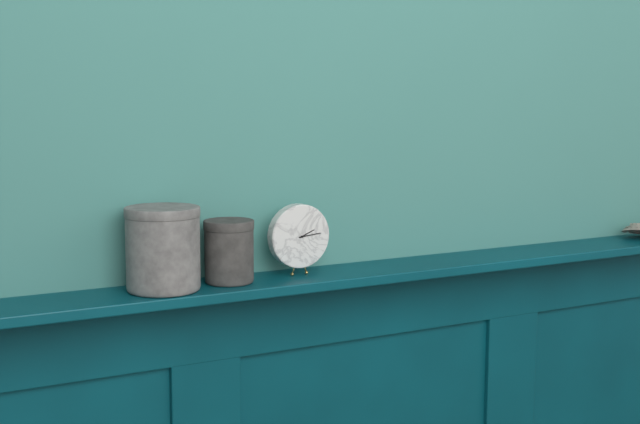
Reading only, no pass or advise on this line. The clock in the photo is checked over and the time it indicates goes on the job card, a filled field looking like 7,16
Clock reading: 2,14
